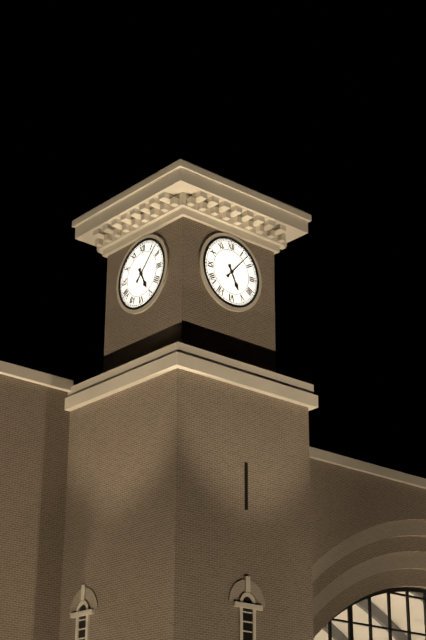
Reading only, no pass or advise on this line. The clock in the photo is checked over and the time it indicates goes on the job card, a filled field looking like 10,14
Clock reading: 5,07
